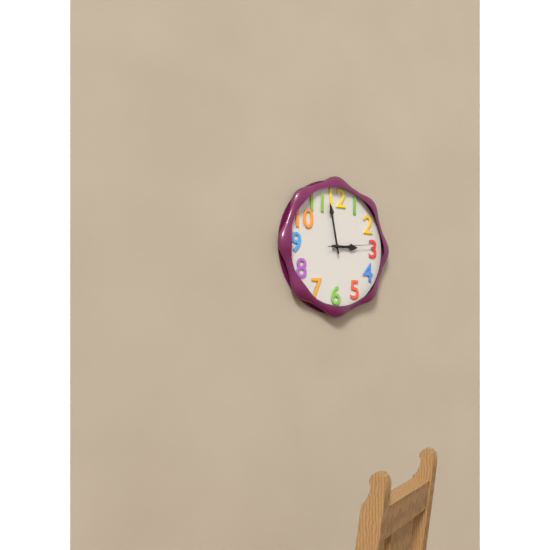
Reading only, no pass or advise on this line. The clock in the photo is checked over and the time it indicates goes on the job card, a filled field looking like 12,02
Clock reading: 2,58
